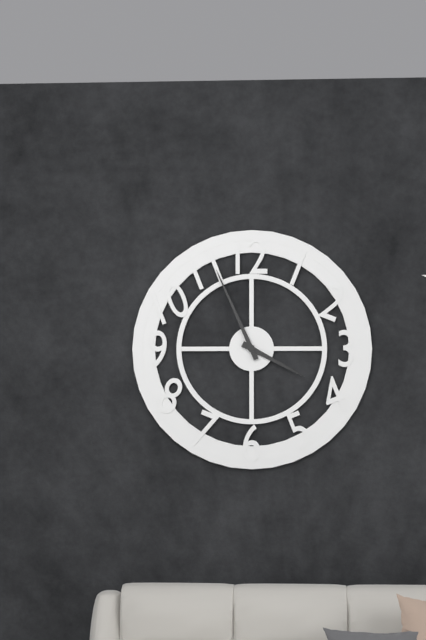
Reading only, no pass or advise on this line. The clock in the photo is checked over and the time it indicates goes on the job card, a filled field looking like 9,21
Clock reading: 3,56
